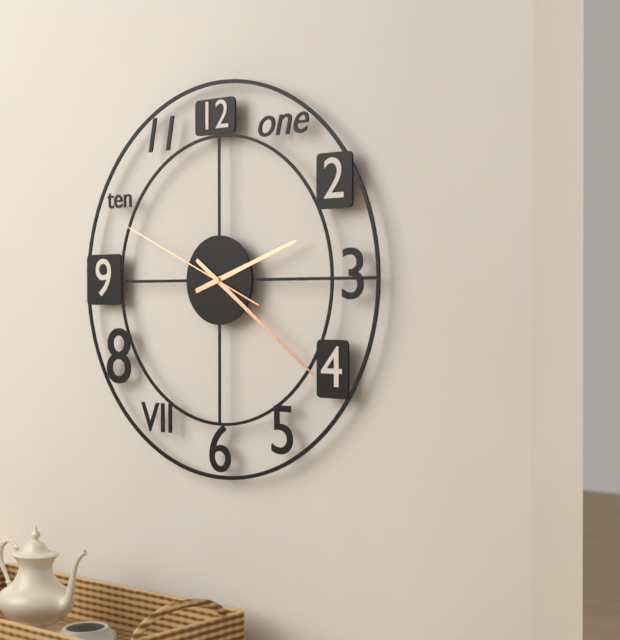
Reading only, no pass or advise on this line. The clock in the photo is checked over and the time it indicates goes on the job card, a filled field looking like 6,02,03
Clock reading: 2,21,49
